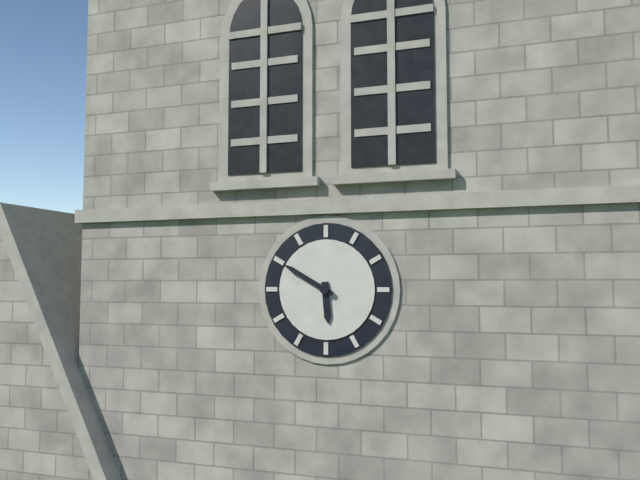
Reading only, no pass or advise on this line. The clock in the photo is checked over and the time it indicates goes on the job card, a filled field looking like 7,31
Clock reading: 5,50
